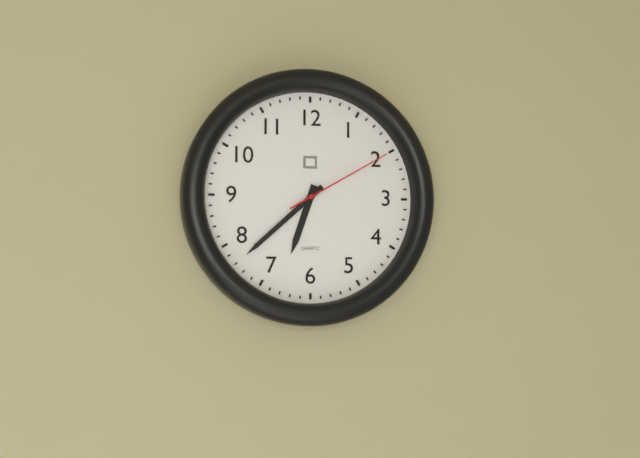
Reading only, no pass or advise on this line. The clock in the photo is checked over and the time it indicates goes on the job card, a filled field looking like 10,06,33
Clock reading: 6,38,10
